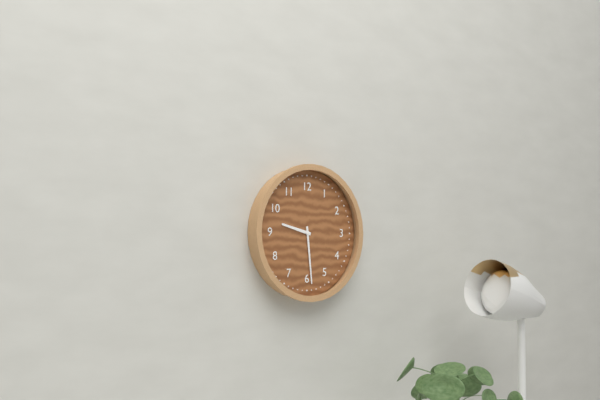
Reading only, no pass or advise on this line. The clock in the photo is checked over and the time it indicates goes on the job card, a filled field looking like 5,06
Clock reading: 9,29
